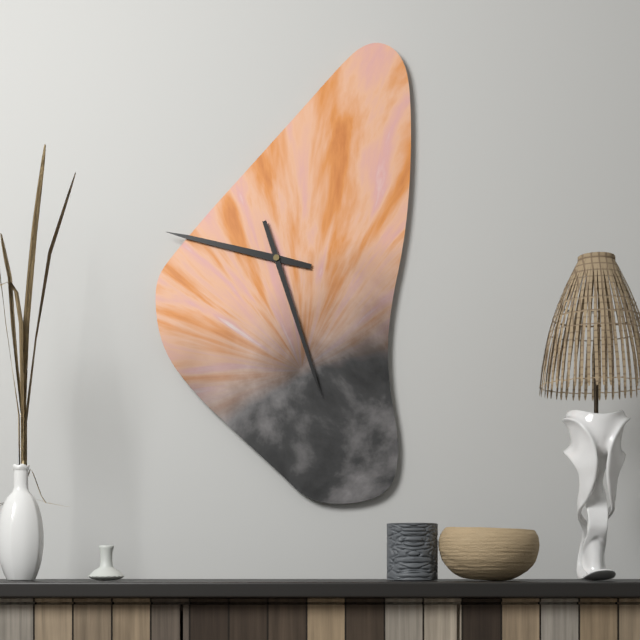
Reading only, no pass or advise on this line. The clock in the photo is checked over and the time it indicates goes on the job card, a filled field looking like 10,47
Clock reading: 9,27
